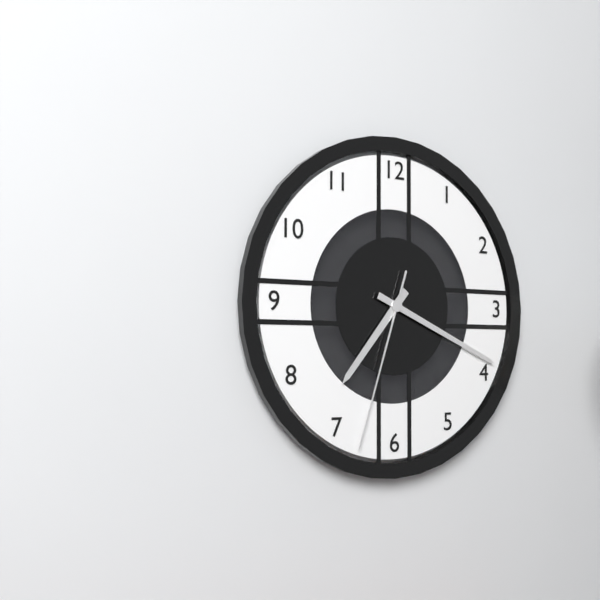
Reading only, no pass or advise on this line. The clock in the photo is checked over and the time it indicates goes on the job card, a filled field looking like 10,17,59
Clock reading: 7,19,33
